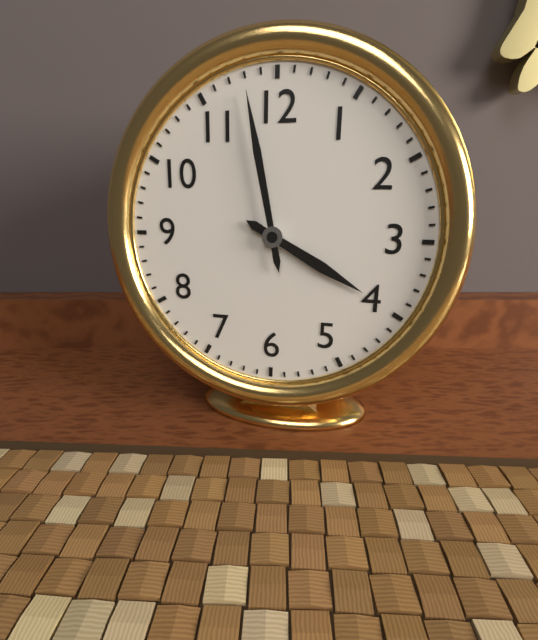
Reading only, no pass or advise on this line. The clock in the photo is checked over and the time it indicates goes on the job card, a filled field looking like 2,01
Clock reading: 3,58
